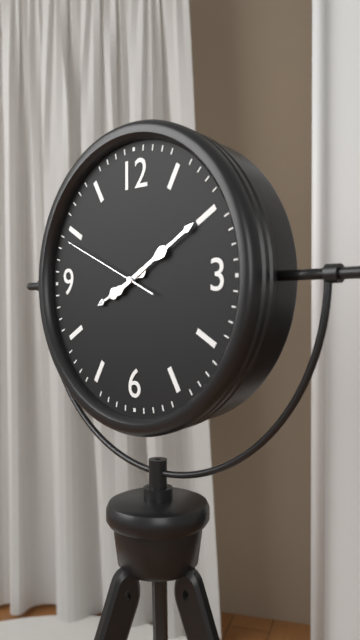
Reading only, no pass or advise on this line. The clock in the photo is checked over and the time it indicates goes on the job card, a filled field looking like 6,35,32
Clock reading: 8,10,49
